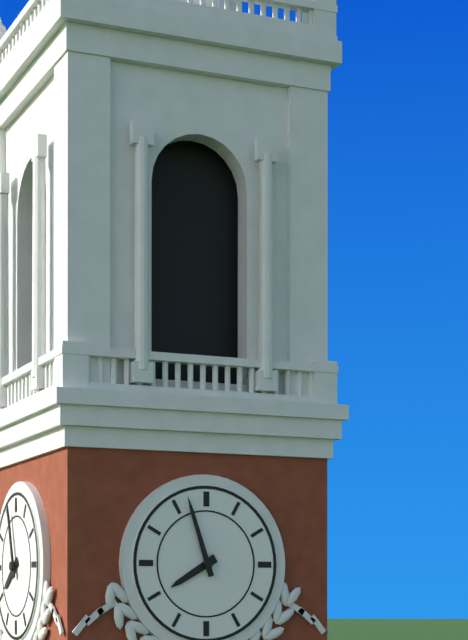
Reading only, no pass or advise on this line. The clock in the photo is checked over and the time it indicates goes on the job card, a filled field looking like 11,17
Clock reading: 7,57
